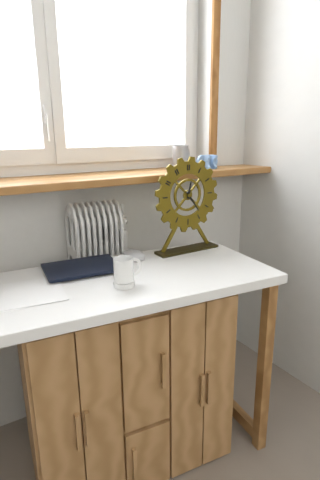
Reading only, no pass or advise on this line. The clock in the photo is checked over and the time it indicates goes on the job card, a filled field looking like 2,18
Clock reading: 12,24
